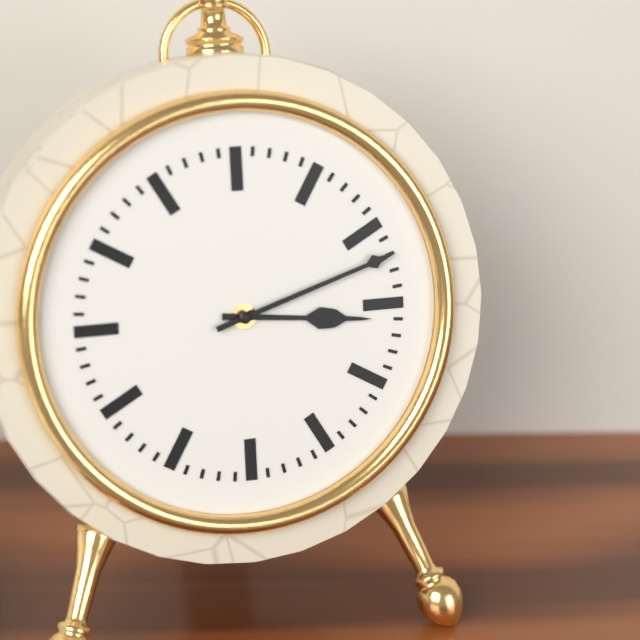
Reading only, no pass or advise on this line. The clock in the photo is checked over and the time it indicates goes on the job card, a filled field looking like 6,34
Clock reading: 3,12
